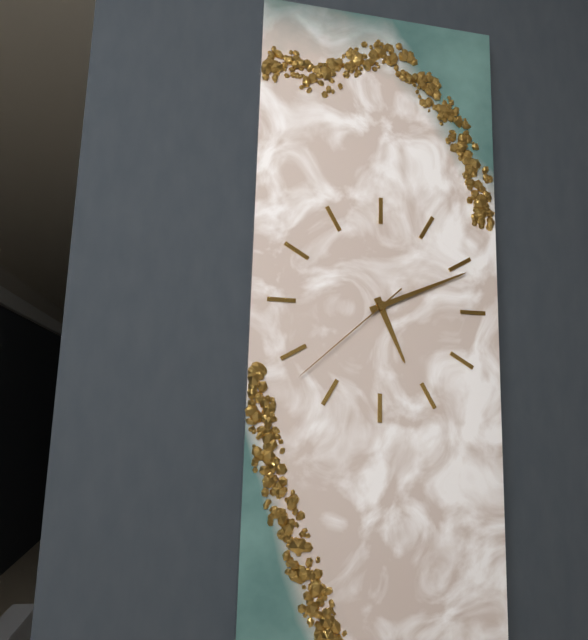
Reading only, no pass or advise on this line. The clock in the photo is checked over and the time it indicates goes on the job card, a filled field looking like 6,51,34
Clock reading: 5,11,38
